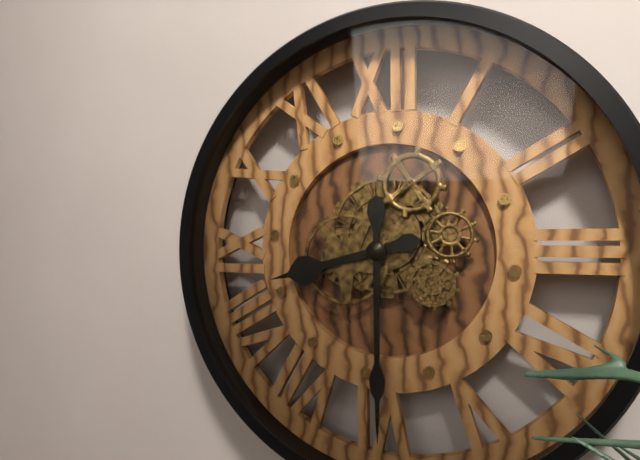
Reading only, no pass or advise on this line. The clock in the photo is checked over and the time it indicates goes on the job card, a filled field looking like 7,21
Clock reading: 8,30
